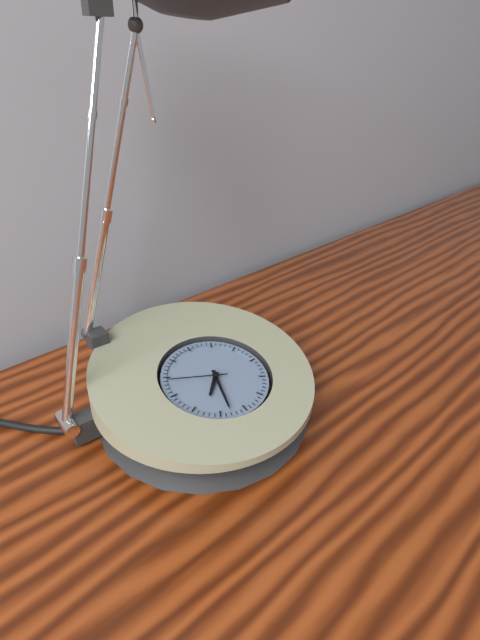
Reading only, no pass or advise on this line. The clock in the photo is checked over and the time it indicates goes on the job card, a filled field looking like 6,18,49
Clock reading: 7,33,49
